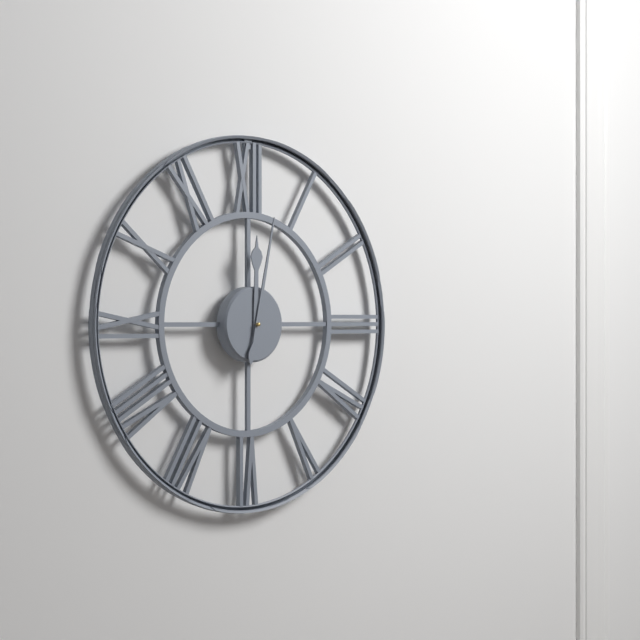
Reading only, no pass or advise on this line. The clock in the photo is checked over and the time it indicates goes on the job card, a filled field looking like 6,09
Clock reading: 12,02
